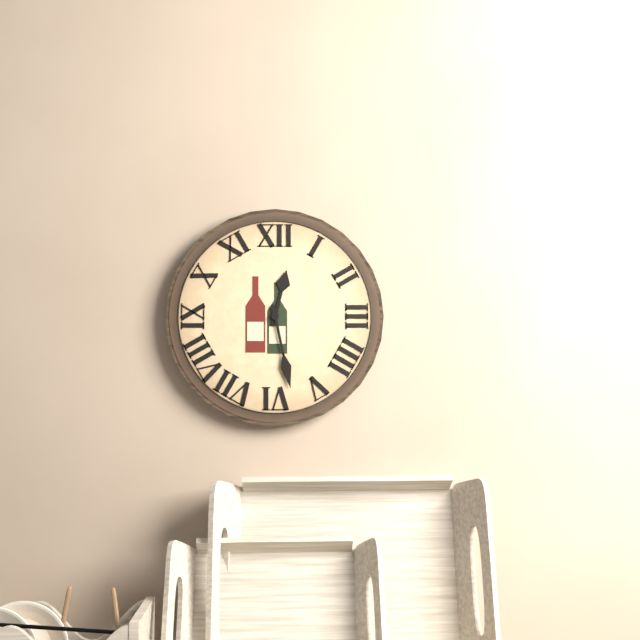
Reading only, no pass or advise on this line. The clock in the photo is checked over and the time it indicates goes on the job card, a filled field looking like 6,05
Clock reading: 12,28
